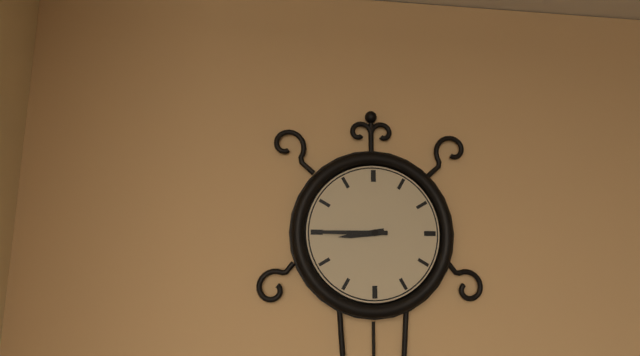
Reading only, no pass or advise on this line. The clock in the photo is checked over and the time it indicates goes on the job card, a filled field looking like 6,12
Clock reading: 8,45
